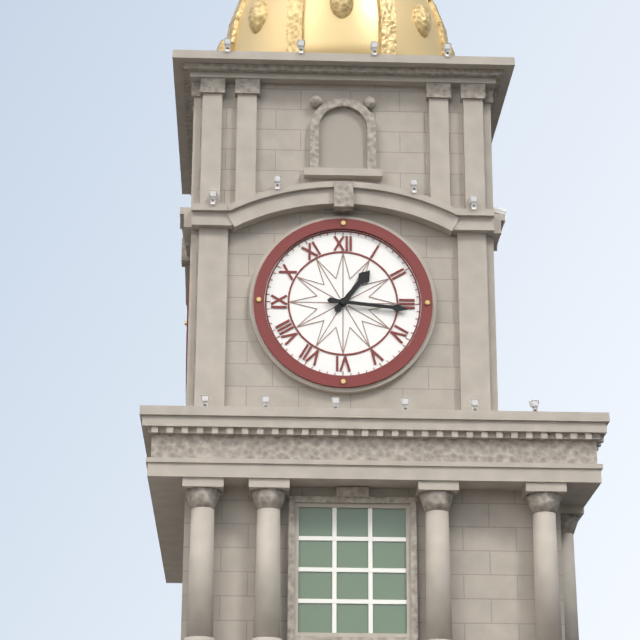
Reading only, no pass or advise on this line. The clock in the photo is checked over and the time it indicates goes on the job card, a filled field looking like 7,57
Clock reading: 1,16
